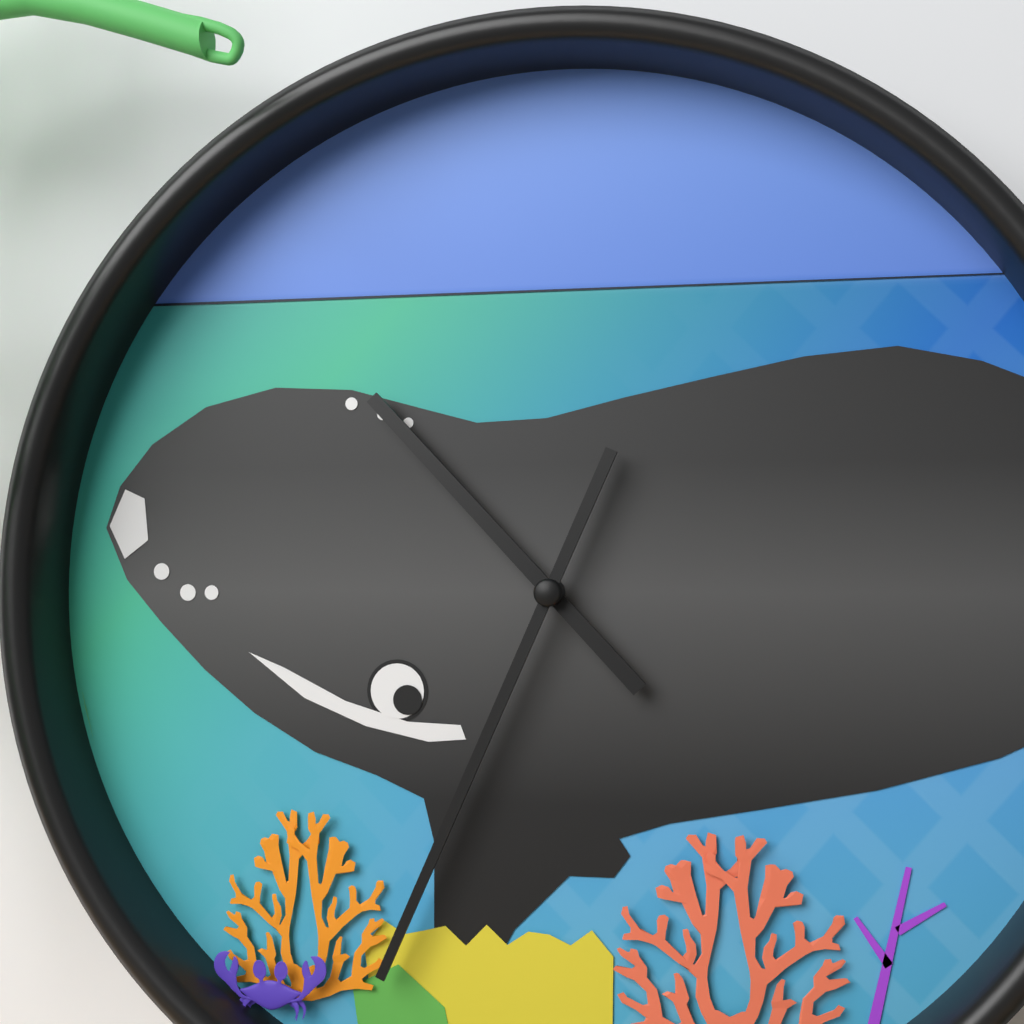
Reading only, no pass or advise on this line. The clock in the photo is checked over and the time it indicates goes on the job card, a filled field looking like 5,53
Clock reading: 10,34
